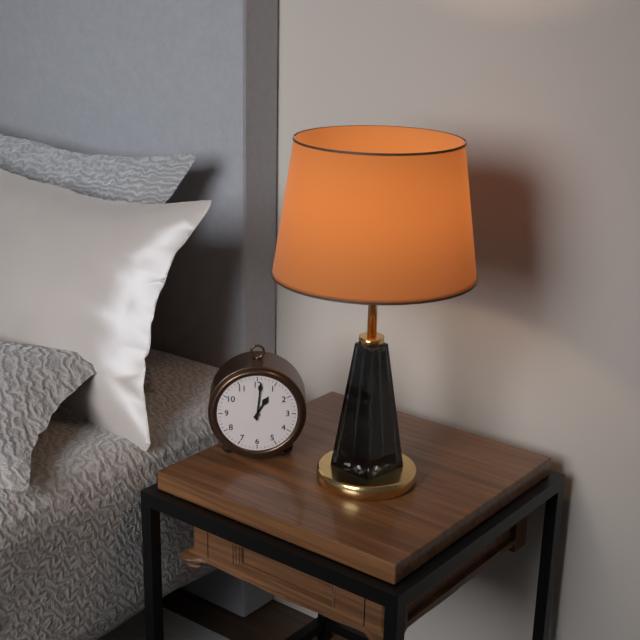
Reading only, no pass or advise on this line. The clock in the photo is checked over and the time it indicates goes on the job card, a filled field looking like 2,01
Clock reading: 1,01
